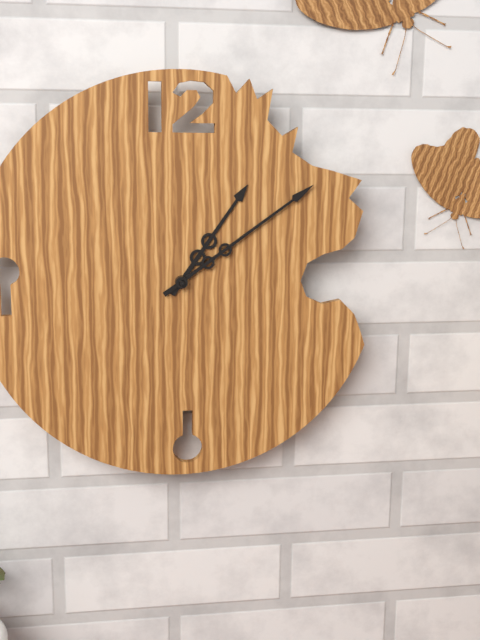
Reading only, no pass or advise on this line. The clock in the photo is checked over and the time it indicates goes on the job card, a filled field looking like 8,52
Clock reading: 1,09
